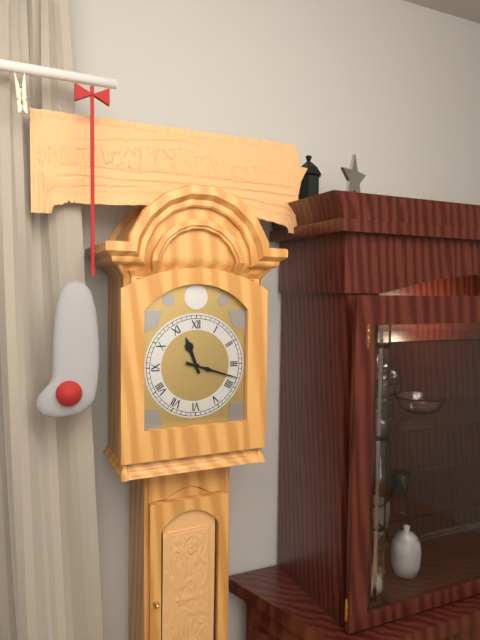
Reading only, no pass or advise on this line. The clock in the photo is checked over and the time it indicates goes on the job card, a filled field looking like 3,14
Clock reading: 11,18
